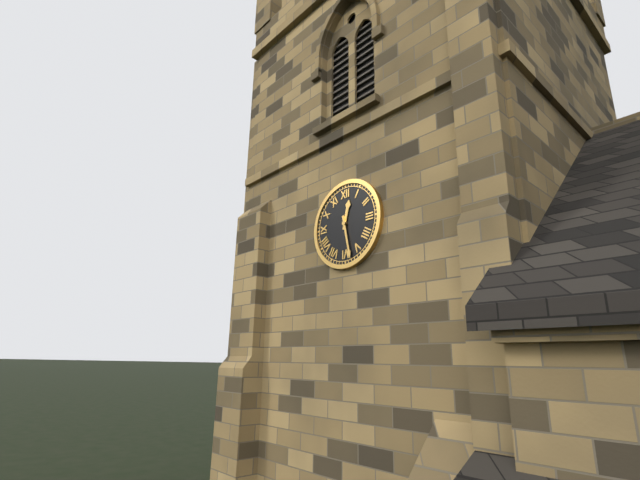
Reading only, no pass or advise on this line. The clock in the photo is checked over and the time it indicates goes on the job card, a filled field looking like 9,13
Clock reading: 12,28
